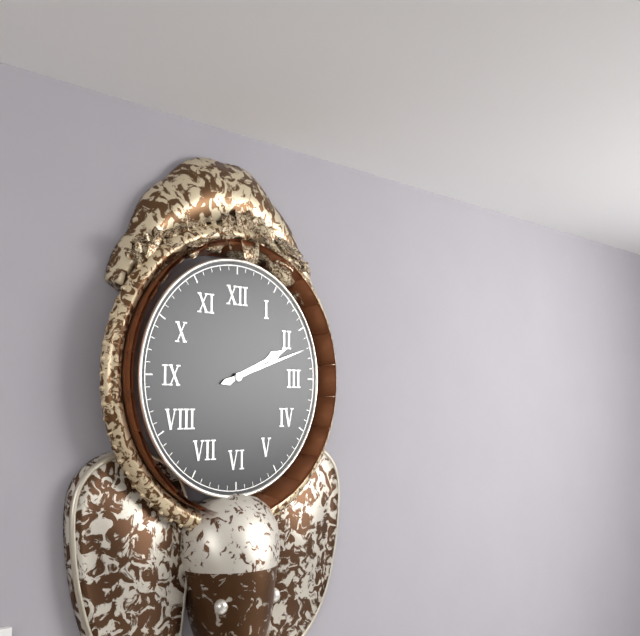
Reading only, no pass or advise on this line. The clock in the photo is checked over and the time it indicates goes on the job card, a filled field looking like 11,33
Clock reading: 2,12
